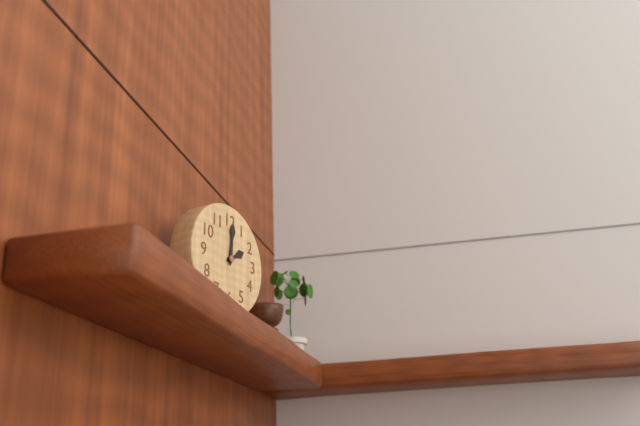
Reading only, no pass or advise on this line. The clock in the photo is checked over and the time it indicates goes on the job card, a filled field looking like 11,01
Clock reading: 2,01
